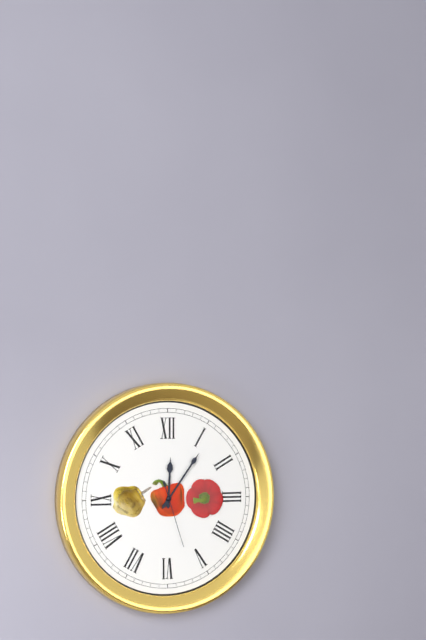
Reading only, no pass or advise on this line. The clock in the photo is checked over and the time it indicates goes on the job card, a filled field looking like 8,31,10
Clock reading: 12,06,27
